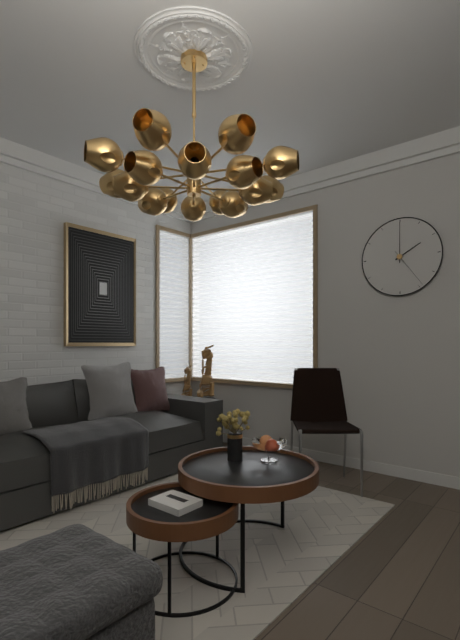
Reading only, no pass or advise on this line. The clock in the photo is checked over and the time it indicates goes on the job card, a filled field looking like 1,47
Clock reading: 2,00
